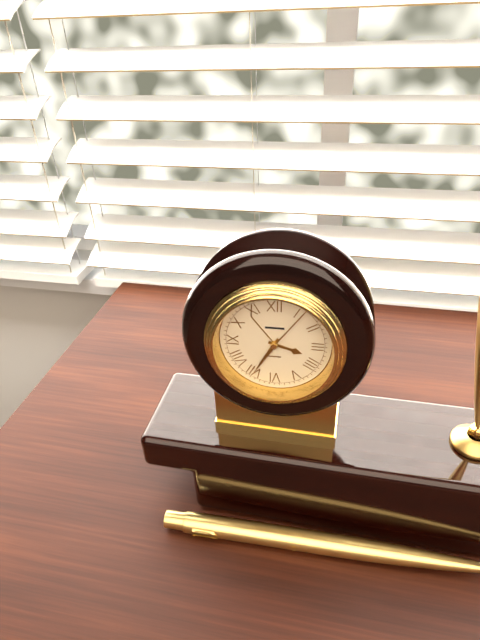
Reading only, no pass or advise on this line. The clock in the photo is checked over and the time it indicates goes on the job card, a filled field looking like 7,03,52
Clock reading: 3,35,06
